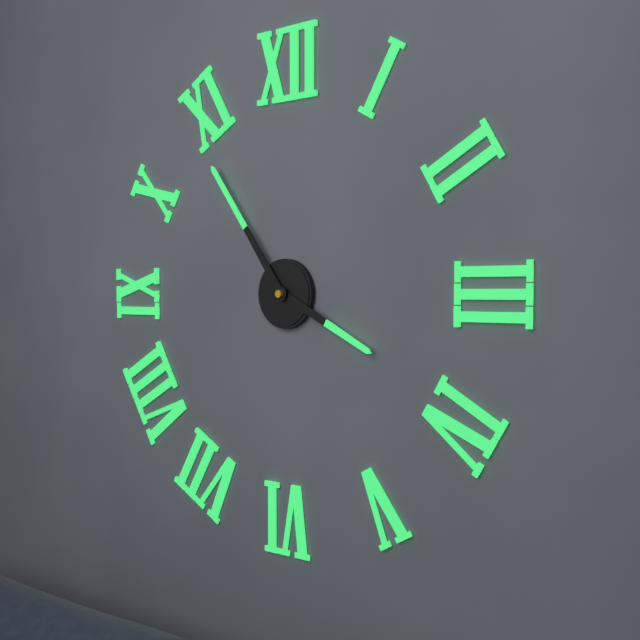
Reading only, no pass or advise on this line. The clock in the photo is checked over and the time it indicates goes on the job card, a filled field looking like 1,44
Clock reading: 3,54
